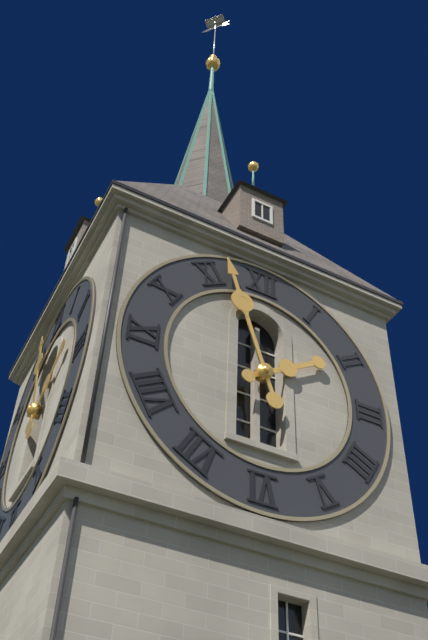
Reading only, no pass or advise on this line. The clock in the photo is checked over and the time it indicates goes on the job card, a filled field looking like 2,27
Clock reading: 1,57
